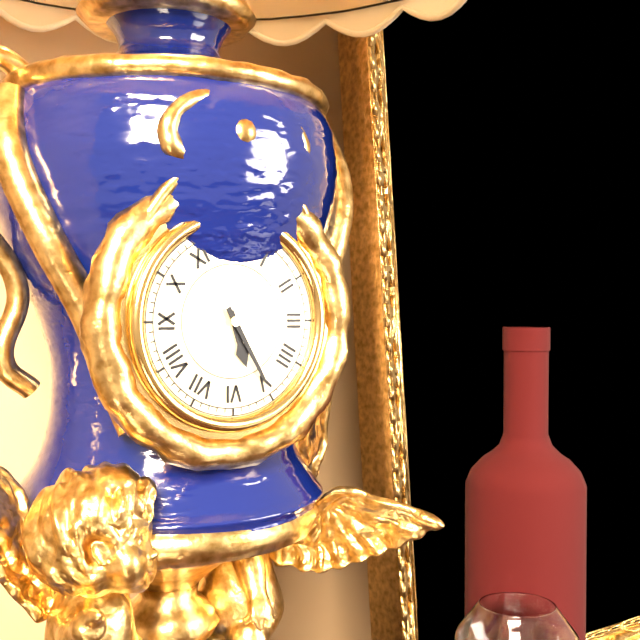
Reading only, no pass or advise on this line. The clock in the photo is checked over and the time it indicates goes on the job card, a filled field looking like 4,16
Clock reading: 5,25
